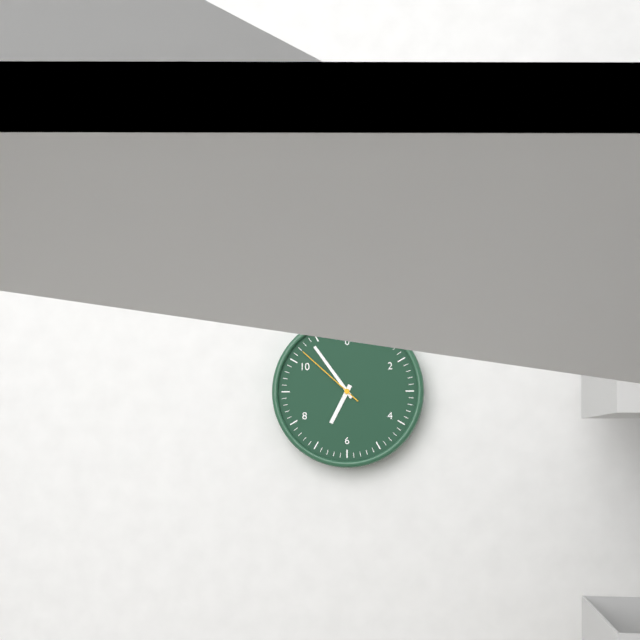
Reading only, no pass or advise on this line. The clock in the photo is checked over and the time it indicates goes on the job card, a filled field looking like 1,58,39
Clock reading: 6,54,52
